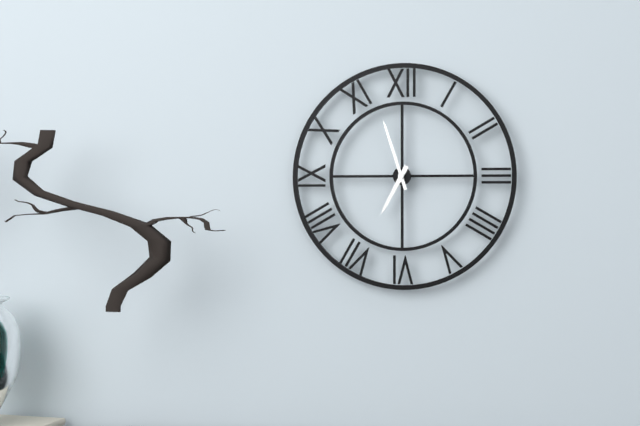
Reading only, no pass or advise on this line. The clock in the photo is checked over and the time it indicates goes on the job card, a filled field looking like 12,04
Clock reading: 6,57
